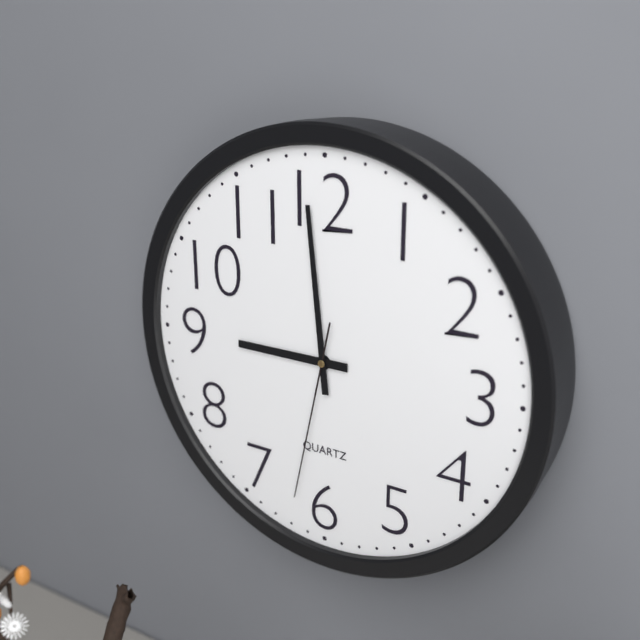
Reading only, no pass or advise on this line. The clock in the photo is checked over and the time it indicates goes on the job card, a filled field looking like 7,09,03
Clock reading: 8,59,32
